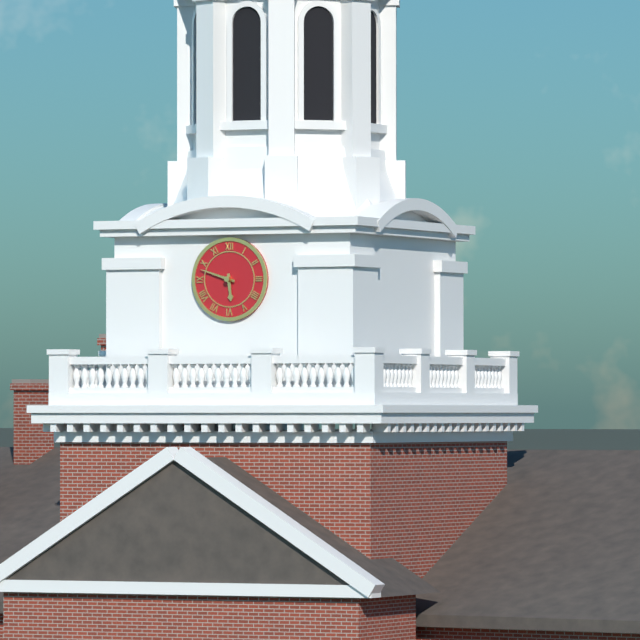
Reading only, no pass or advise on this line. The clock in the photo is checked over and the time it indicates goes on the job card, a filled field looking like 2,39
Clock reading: 5,48
